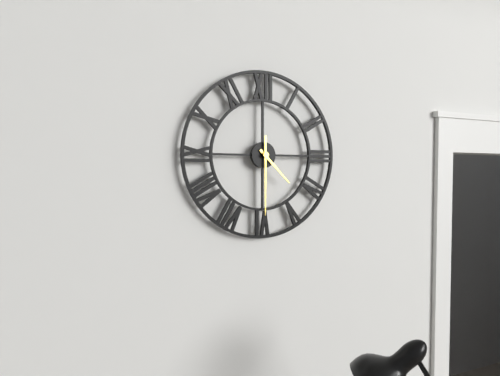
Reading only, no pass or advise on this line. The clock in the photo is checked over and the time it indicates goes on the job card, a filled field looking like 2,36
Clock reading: 4,30
